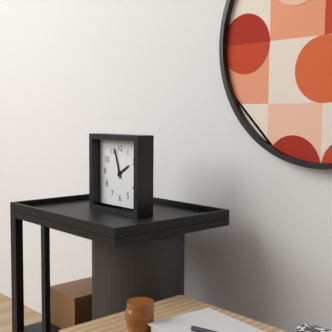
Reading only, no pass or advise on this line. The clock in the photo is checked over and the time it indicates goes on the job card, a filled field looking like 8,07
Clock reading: 1,57
